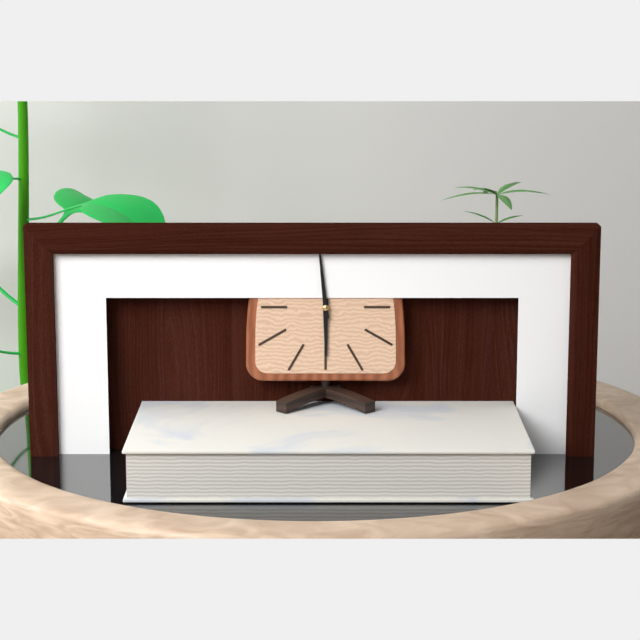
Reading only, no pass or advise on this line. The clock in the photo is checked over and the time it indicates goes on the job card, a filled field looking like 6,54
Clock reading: 5,59
